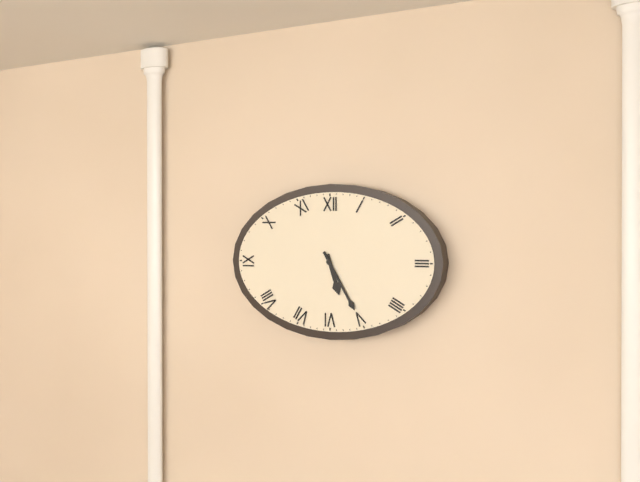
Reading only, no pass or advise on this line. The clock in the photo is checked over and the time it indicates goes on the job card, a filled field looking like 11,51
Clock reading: 5,25
